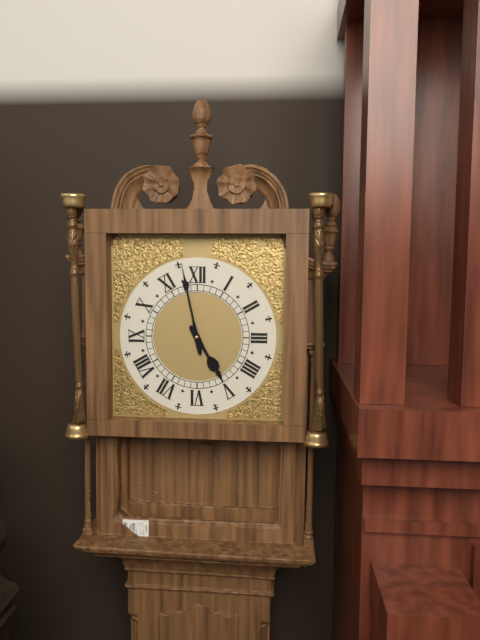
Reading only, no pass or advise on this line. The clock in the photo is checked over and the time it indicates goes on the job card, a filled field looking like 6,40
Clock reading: 4,58
